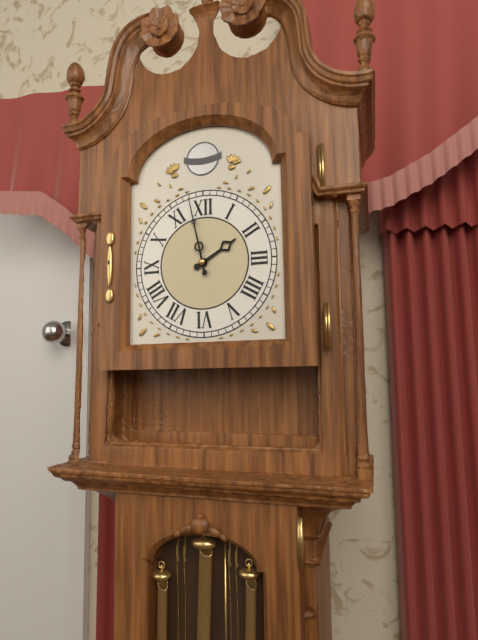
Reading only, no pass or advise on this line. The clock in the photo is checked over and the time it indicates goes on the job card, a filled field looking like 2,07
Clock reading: 1,58
